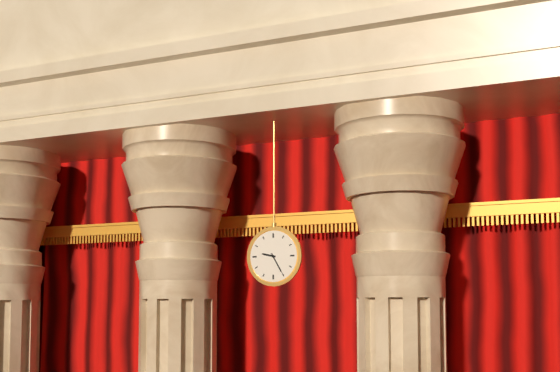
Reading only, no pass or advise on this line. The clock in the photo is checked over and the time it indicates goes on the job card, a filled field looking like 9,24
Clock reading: 9,25
